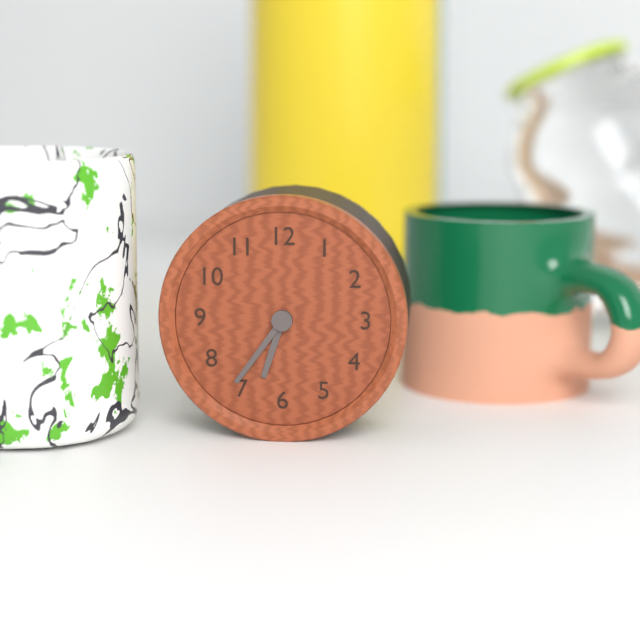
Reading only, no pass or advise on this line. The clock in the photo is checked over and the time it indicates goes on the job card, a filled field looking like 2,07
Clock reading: 6,36
